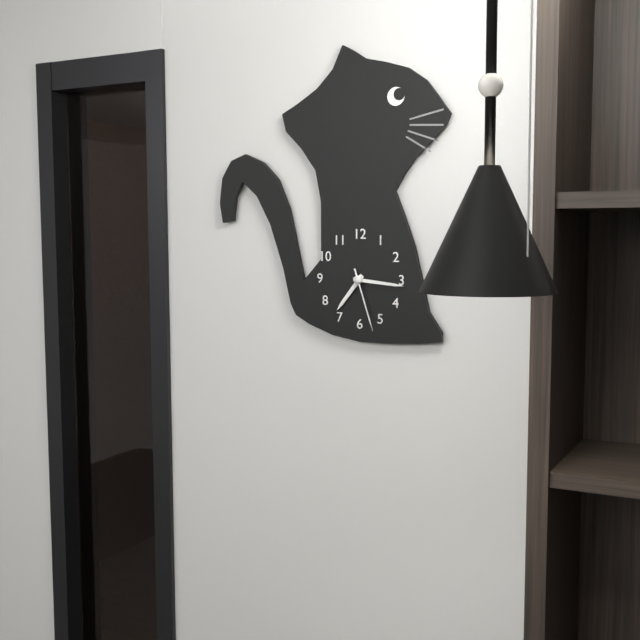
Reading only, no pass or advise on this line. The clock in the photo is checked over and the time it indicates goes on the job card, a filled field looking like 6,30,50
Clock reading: 7,16,27
